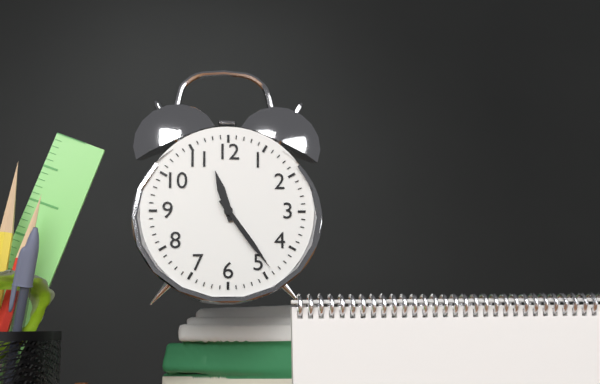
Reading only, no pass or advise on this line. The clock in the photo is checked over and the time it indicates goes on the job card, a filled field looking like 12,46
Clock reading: 11,24
